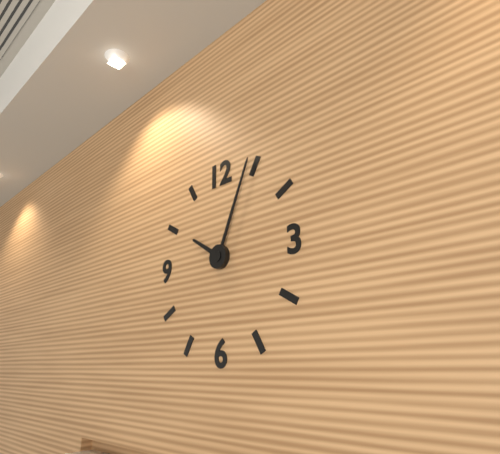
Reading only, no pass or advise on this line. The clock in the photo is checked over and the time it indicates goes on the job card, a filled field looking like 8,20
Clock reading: 10,04
